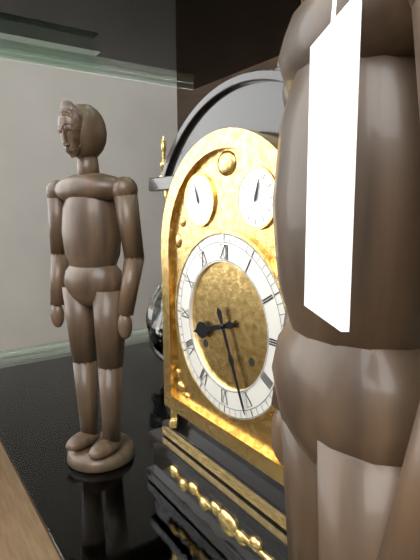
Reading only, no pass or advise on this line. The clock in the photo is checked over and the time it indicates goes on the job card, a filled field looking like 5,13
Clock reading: 8,26
